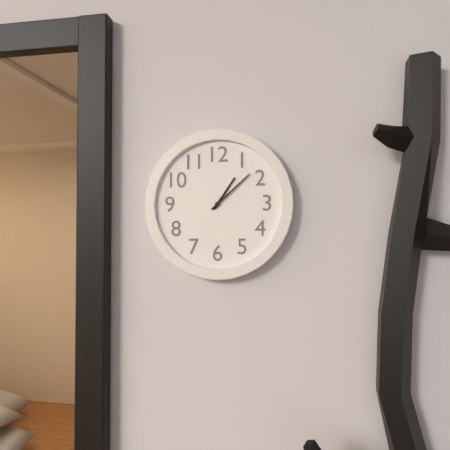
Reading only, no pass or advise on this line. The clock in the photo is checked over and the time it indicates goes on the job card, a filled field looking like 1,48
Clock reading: 1,08
